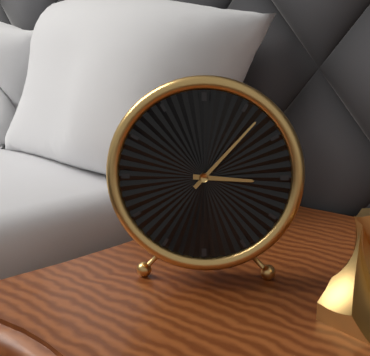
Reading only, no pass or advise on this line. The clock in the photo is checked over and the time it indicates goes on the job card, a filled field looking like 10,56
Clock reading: 3,07
